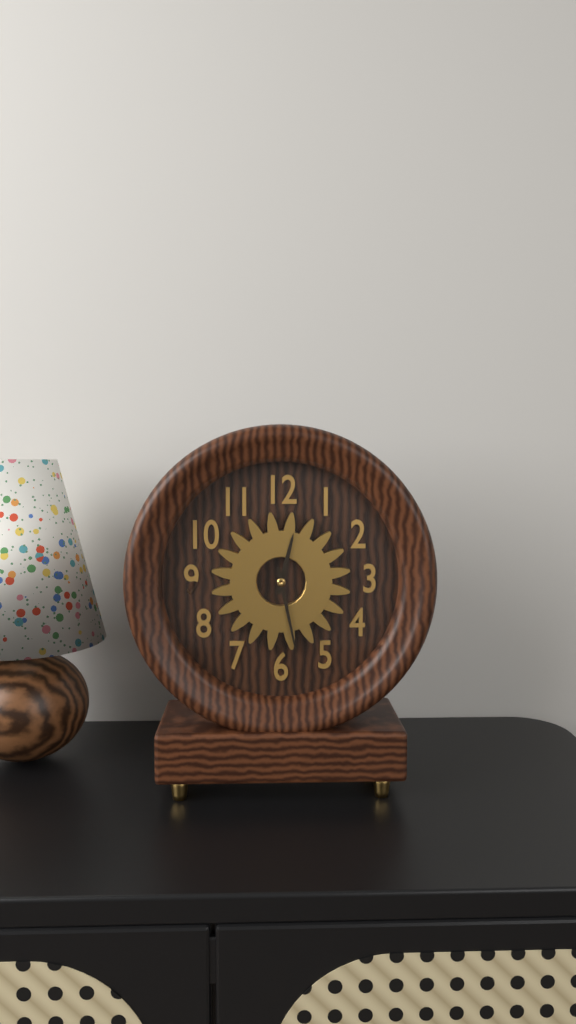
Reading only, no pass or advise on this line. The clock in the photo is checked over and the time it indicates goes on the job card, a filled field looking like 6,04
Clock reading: 12,28
